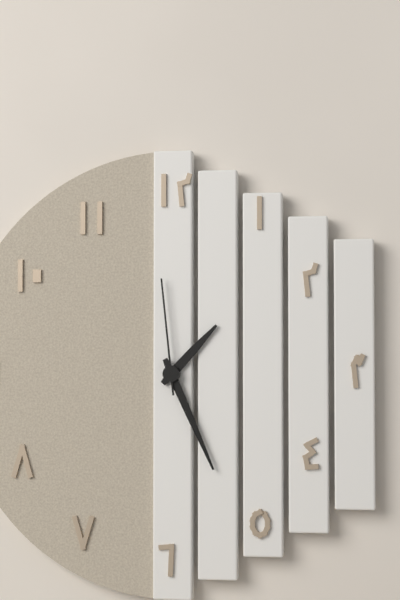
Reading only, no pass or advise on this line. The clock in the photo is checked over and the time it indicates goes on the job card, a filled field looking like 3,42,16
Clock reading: 1,26,59
